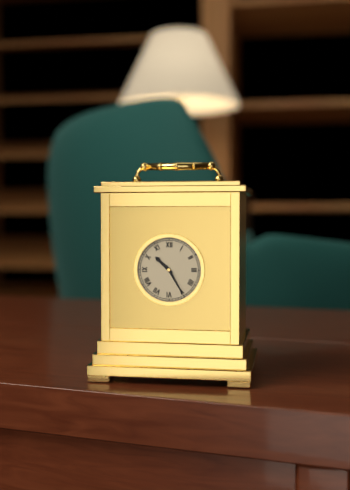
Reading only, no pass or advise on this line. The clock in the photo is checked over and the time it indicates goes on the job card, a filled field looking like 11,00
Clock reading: 10,25
